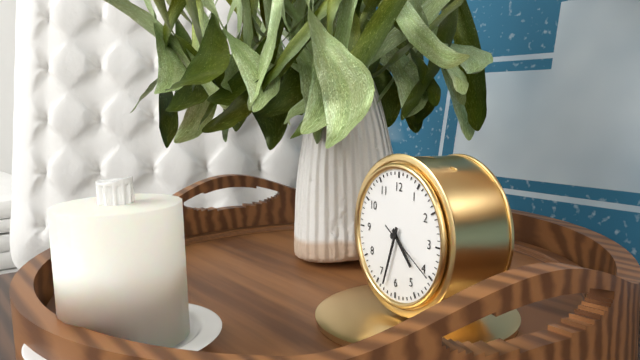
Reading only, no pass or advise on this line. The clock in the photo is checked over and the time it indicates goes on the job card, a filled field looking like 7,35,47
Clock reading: 4,33,20
